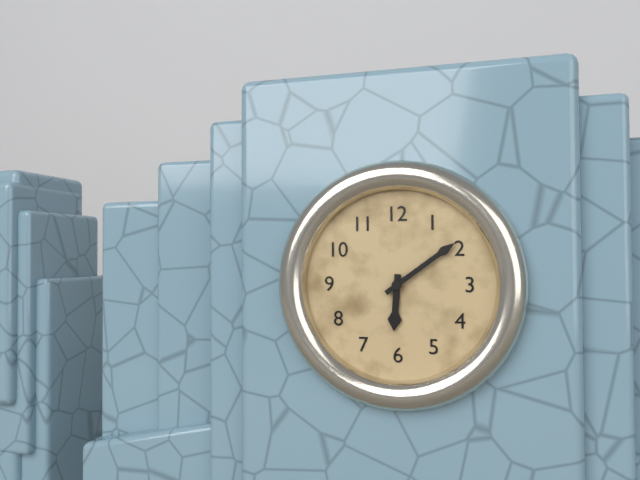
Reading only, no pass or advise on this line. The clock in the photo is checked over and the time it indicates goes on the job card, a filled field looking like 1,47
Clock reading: 6,09
